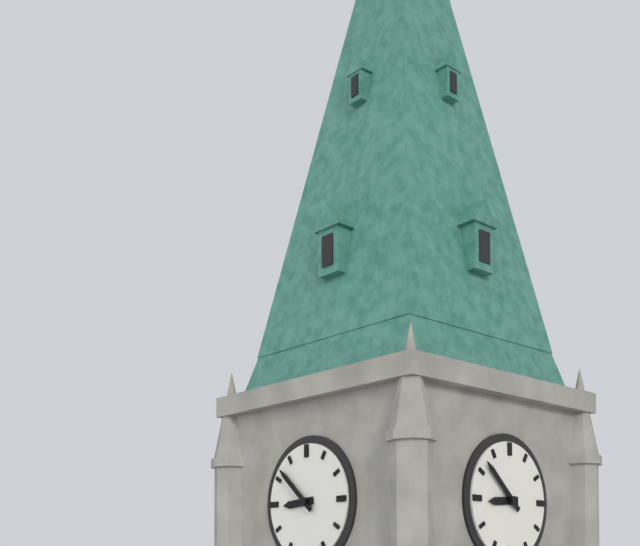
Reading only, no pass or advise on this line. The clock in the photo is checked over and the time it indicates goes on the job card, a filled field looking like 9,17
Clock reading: 8,52
